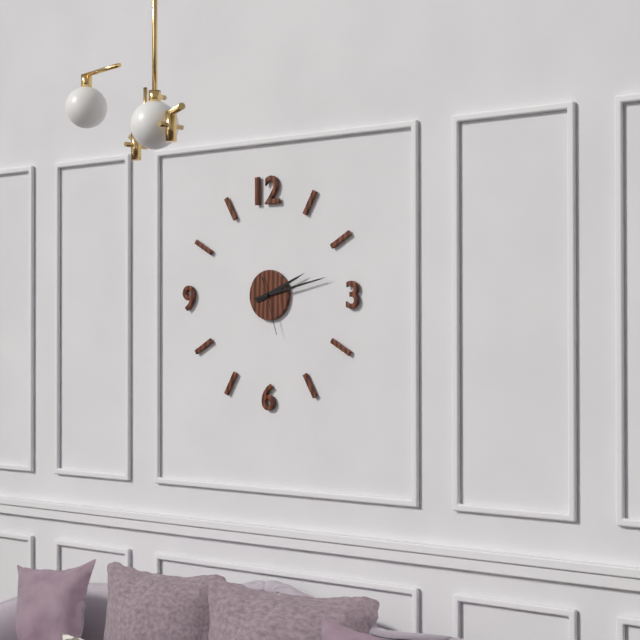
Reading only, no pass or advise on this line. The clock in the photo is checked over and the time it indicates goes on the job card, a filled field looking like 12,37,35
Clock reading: 2,13,27
